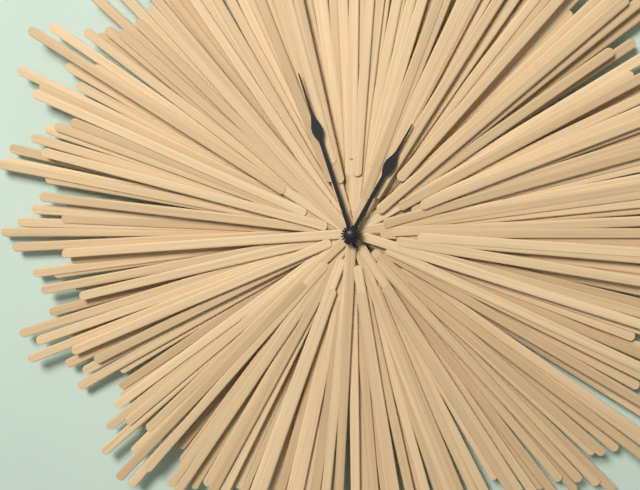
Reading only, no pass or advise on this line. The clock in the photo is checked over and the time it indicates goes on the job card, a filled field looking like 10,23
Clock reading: 12,57
